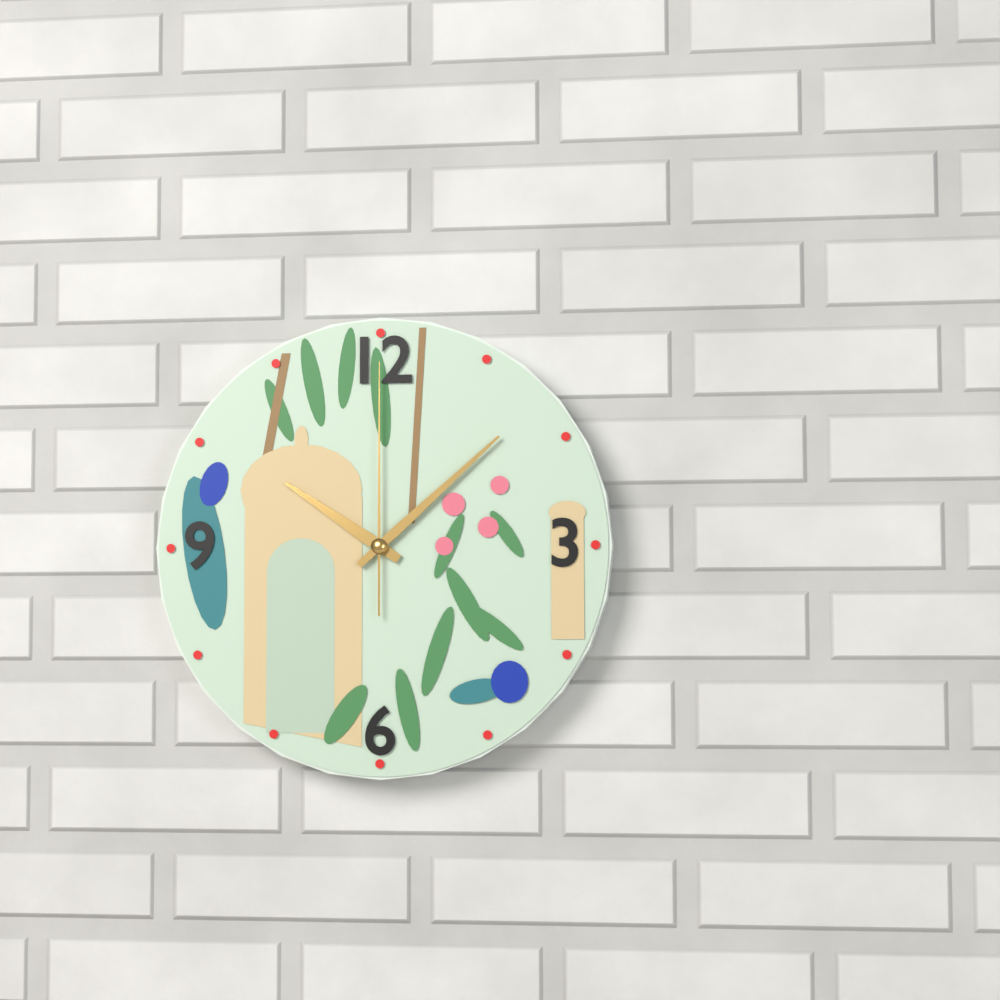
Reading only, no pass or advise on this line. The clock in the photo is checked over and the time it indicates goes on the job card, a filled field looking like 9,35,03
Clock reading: 10,08,00
